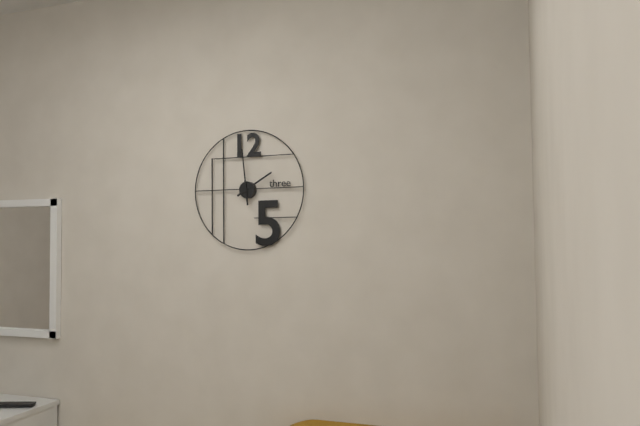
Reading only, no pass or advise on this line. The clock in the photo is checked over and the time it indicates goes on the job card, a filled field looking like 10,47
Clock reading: 1,59
